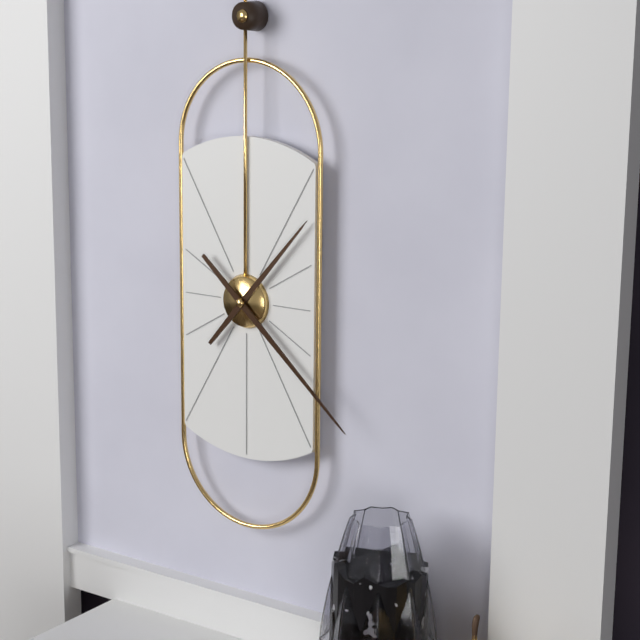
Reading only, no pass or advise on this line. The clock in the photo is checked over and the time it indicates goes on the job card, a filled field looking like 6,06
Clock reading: 1,22
